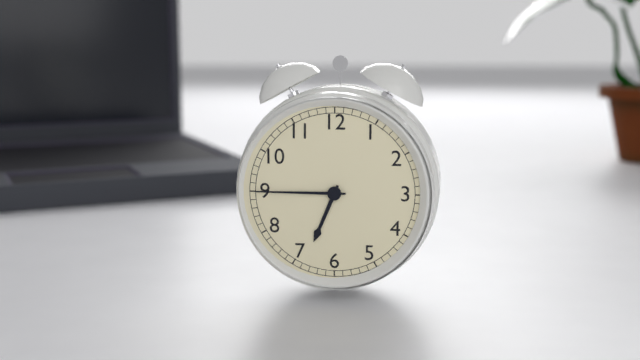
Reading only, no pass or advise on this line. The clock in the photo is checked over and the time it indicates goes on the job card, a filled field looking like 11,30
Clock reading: 6,45
